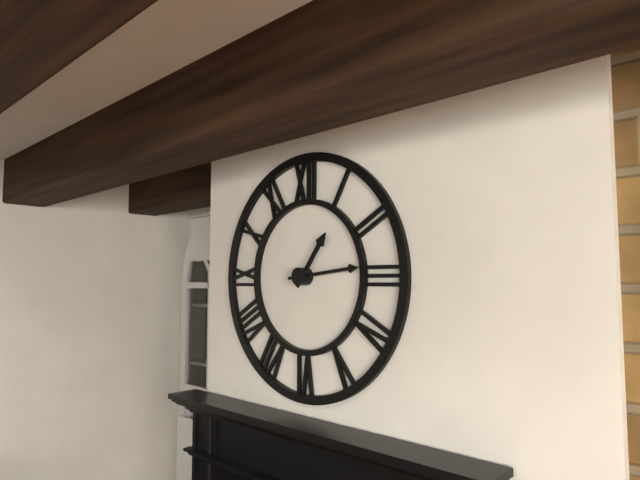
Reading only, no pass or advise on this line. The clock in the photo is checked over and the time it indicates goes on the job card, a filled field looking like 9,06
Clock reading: 1,14
